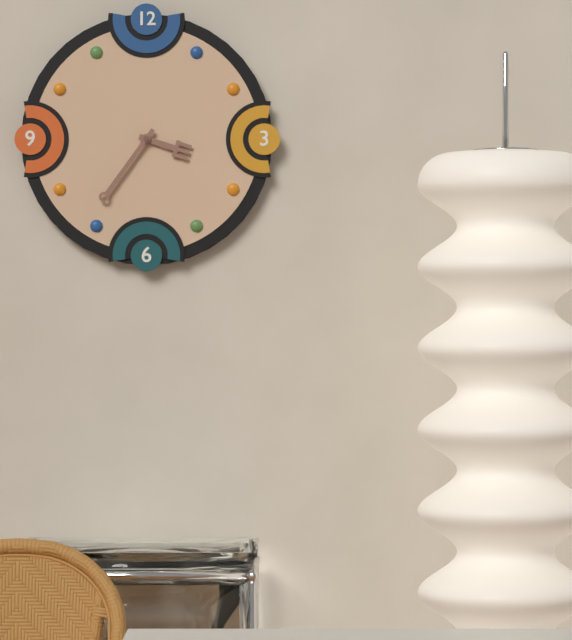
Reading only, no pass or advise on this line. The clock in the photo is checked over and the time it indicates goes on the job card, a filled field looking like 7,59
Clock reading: 3,36
